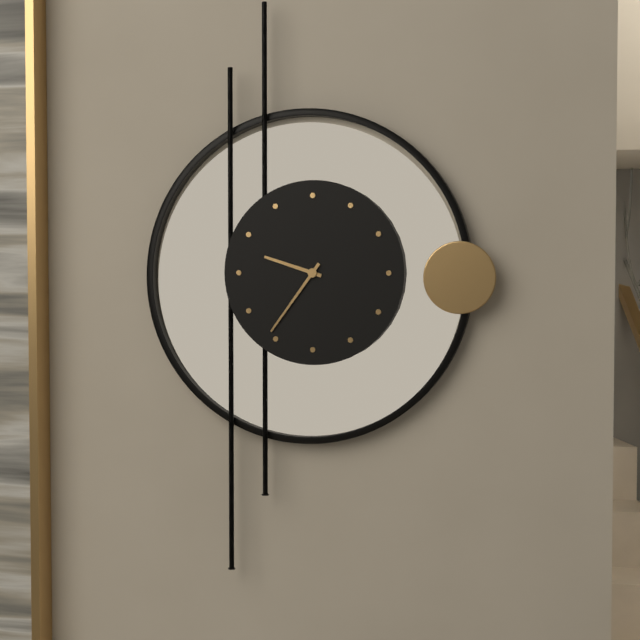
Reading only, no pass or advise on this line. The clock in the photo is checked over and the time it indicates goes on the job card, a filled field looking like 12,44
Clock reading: 9,36
